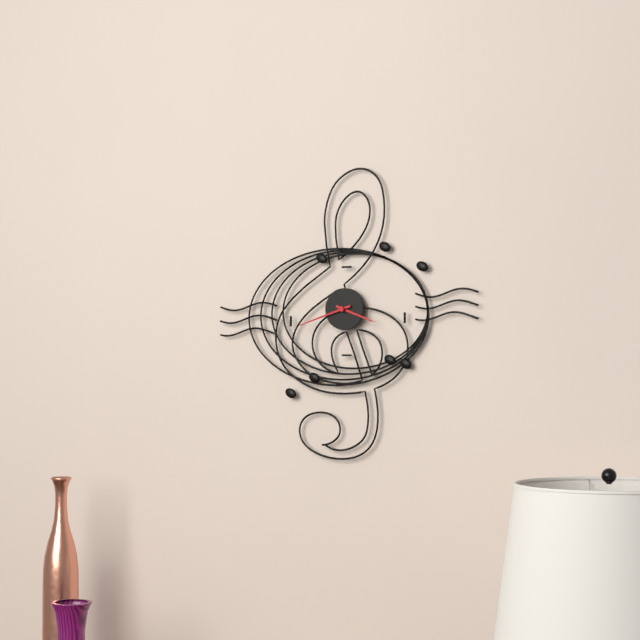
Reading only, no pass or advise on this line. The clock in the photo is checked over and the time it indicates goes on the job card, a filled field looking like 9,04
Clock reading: 3,42
